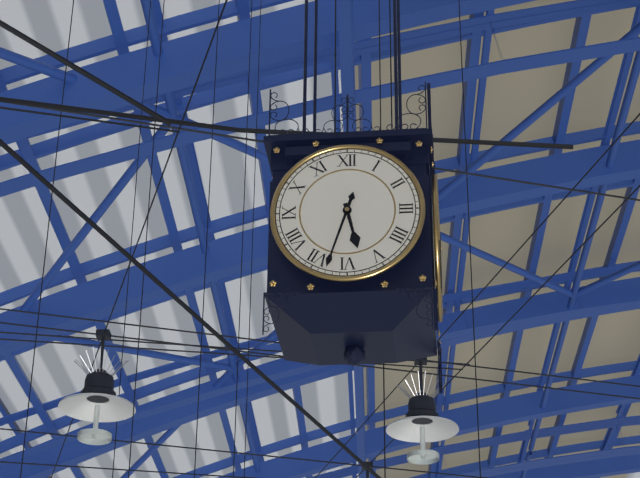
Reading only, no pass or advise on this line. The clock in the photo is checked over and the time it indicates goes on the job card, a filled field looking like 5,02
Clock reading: 5,33
